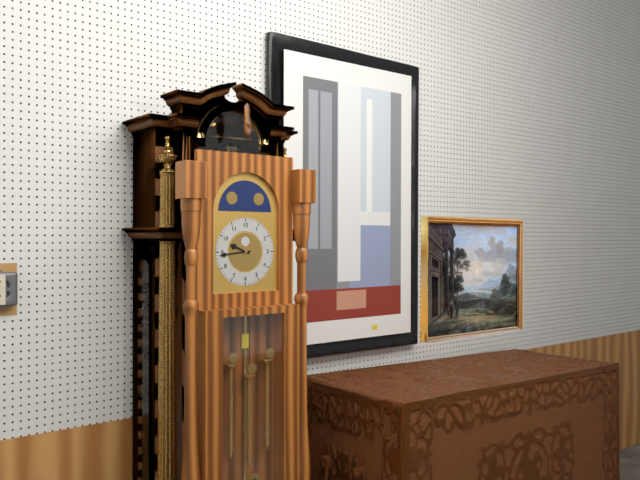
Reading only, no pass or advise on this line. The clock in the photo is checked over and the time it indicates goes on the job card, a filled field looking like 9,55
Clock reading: 9,44
